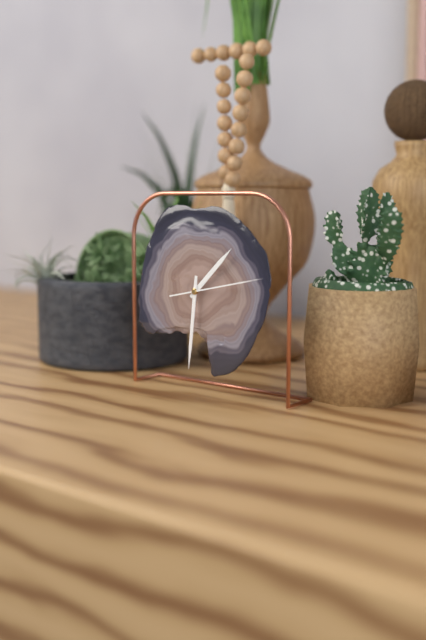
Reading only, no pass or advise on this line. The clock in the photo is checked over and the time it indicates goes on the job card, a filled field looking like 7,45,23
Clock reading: 1,31,13
